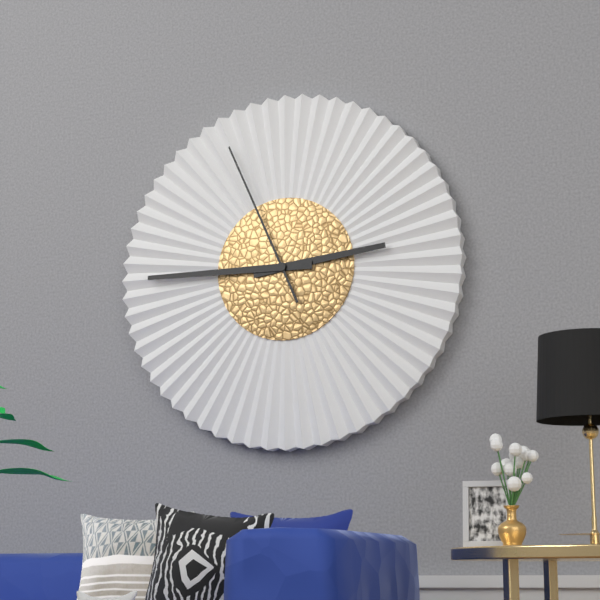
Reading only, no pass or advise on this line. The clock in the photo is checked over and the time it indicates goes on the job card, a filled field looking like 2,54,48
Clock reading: 2,45,56
